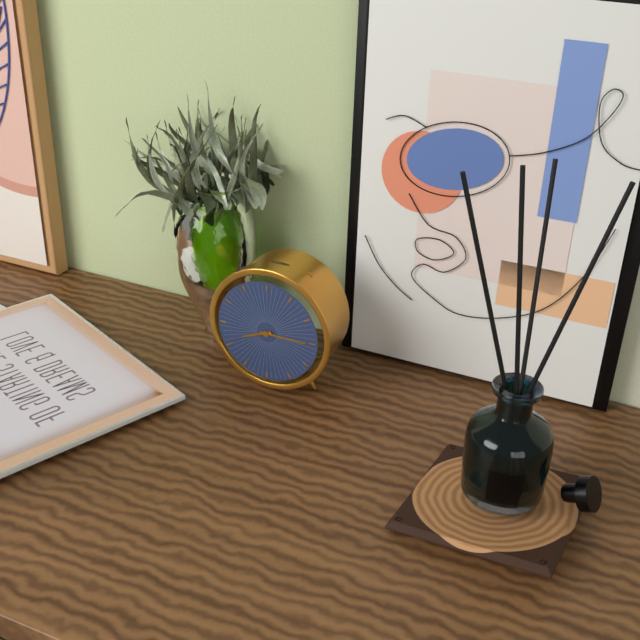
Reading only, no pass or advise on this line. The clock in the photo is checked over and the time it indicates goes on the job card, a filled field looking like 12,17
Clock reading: 8,15
